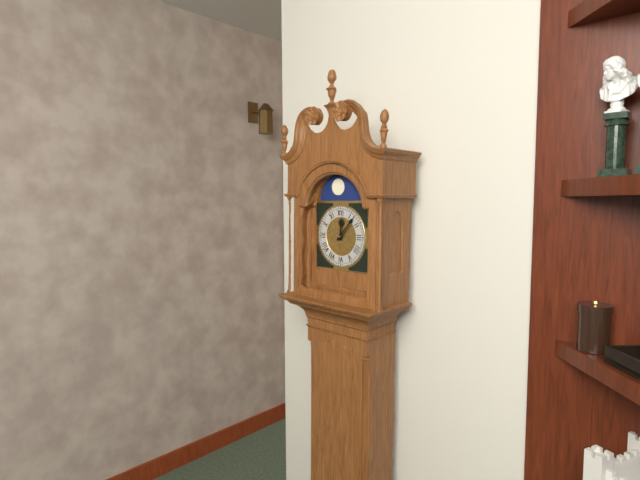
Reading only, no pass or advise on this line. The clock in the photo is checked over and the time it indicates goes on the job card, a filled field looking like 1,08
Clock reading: 12,07
